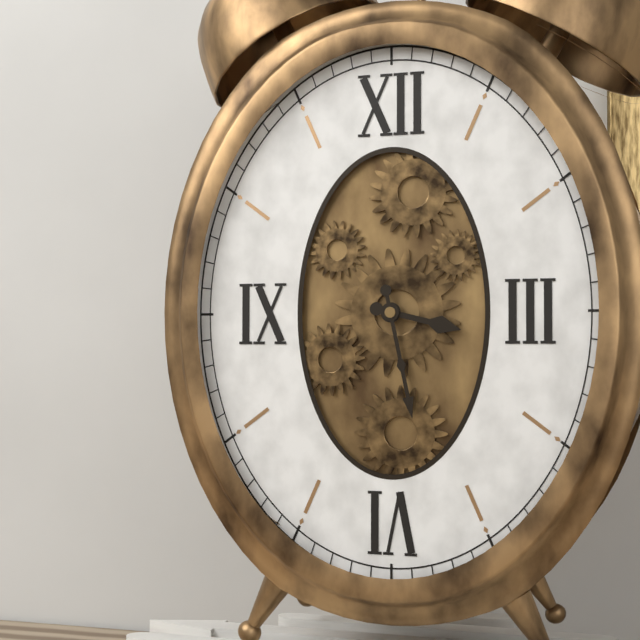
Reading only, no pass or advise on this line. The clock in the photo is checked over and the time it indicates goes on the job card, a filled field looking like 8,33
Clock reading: 3,28
